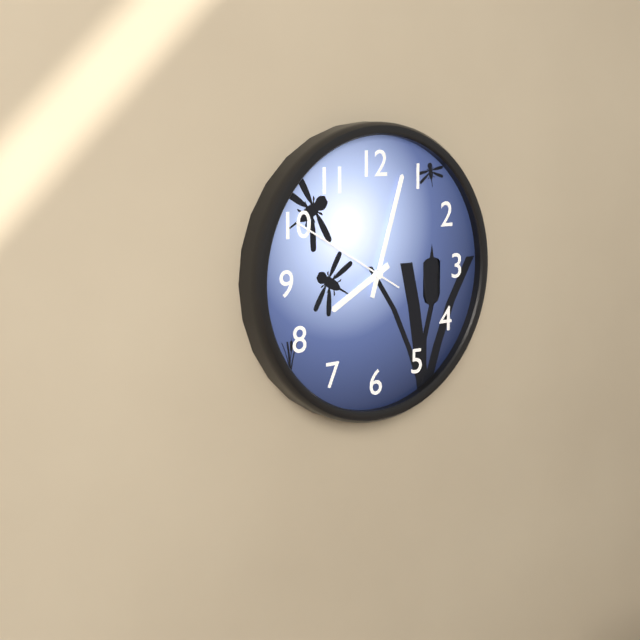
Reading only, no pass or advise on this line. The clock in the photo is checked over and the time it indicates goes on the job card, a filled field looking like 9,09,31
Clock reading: 8,03,50
